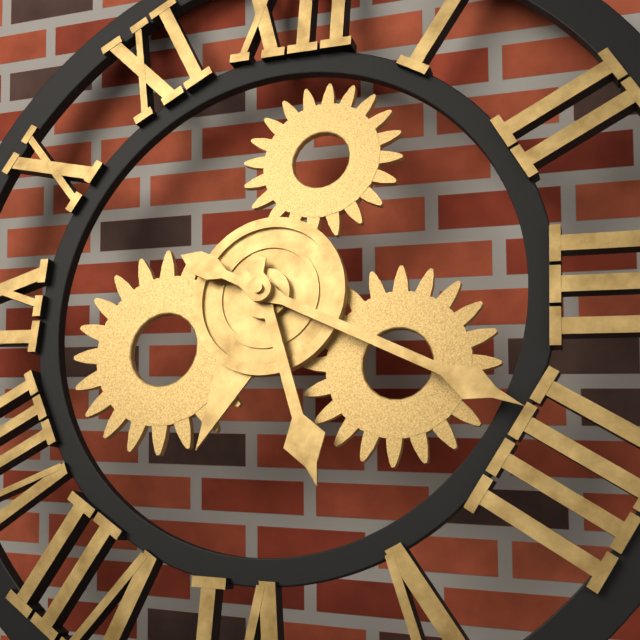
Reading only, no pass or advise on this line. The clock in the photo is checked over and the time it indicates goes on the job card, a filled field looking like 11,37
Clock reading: 5,19
